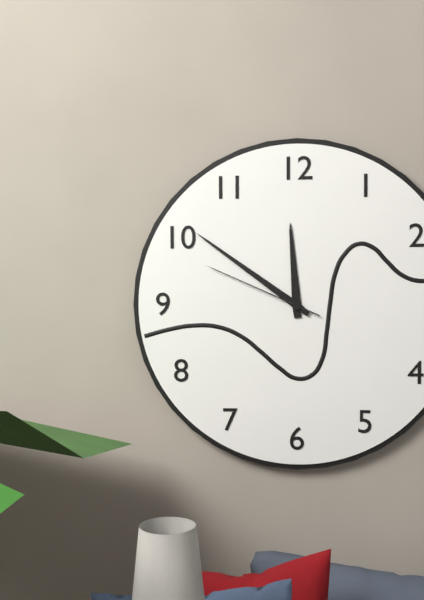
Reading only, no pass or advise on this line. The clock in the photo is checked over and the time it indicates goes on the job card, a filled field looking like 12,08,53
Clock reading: 11,51,49
